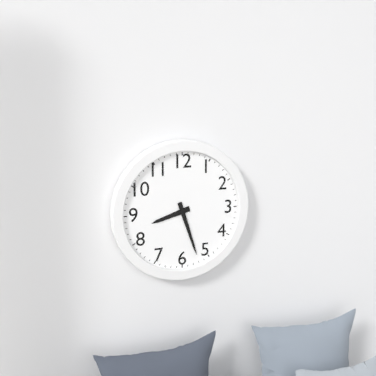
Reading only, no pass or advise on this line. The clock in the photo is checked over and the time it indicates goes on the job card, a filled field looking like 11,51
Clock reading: 8,27
